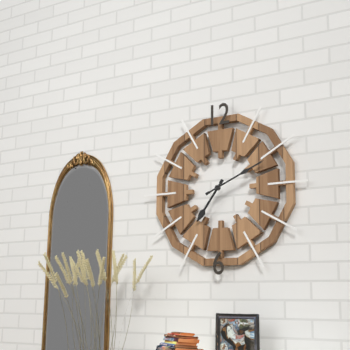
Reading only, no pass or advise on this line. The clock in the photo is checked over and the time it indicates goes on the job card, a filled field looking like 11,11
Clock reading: 7,11
